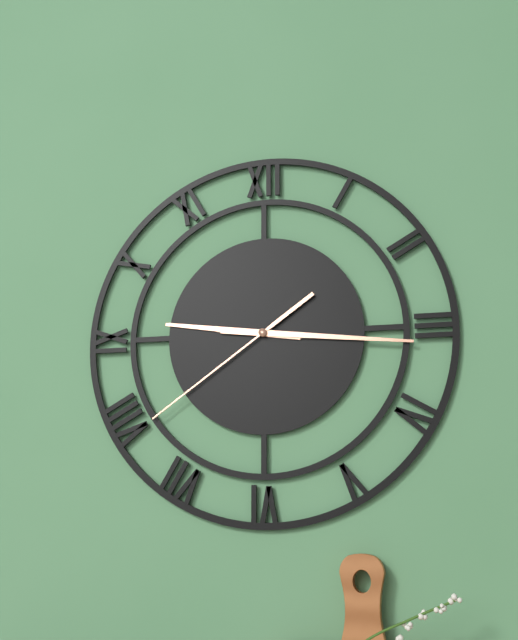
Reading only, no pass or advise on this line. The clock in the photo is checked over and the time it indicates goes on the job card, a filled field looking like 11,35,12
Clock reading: 9,16,39
